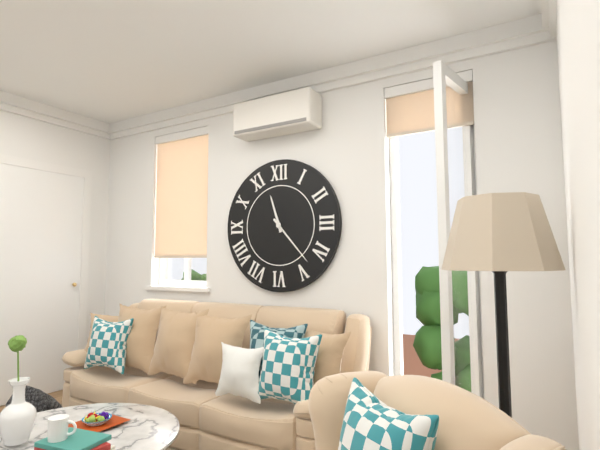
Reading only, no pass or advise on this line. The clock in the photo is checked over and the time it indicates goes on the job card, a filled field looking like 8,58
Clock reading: 11,23
